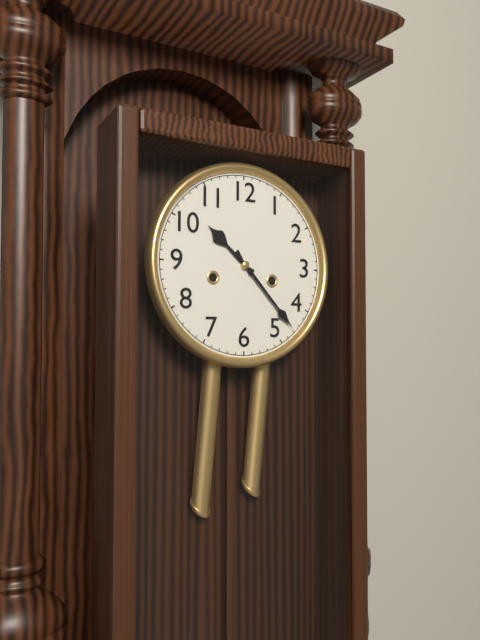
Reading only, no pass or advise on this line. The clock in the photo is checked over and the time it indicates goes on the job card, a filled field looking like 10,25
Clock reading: 10,23
